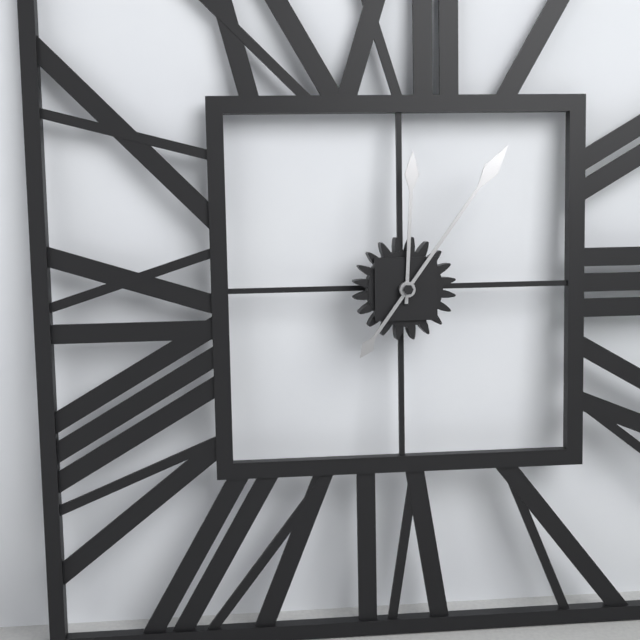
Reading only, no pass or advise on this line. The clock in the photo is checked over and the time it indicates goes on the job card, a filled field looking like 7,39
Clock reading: 12,06
